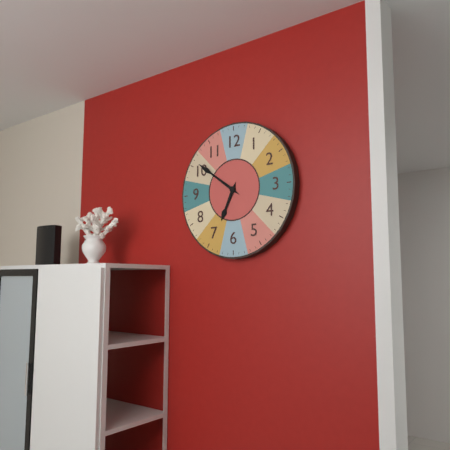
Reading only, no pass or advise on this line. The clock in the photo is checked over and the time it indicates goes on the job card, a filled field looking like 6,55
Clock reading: 6,51
